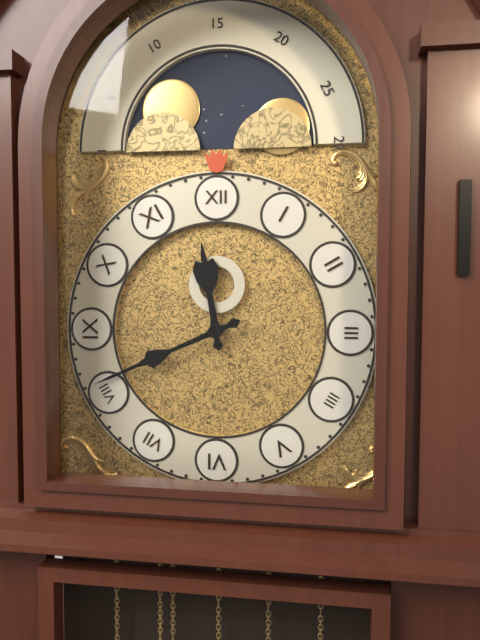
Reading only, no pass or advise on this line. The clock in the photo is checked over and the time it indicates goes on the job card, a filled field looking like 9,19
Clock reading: 11,41
